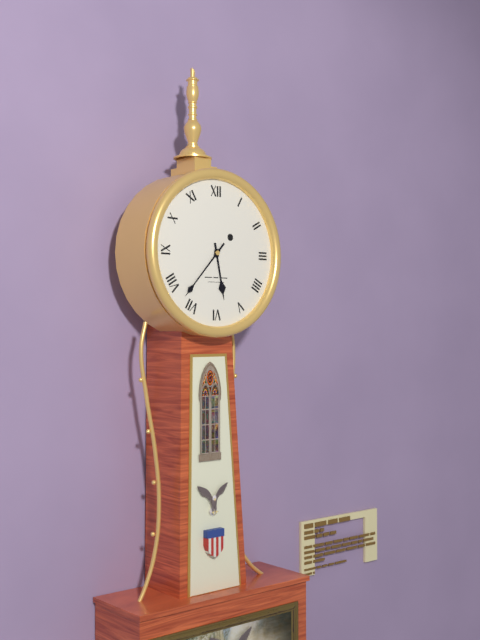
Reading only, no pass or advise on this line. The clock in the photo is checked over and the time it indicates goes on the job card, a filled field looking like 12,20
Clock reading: 5,37
